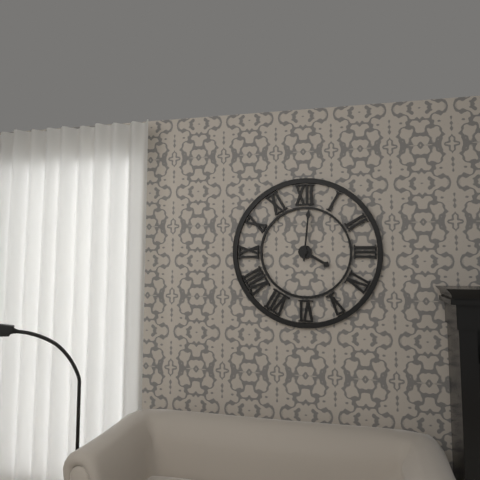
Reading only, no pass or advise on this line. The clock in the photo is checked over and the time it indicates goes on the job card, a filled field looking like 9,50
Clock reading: 4,01
